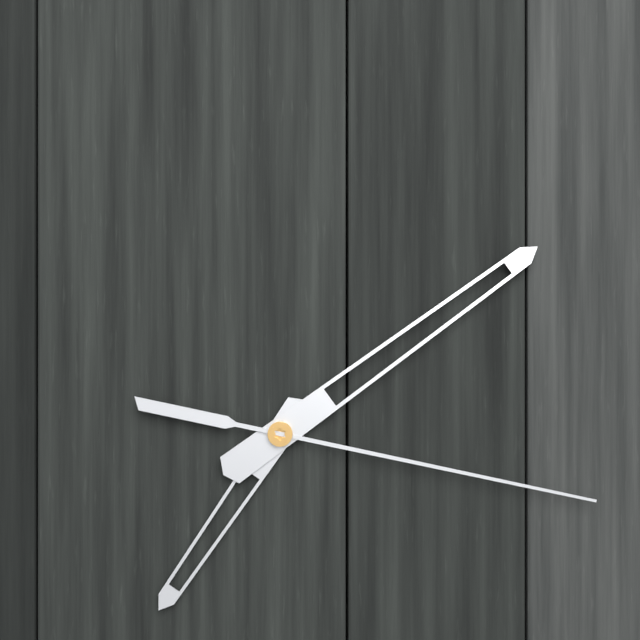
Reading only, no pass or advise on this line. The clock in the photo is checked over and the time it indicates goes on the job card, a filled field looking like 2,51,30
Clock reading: 7,09,17
